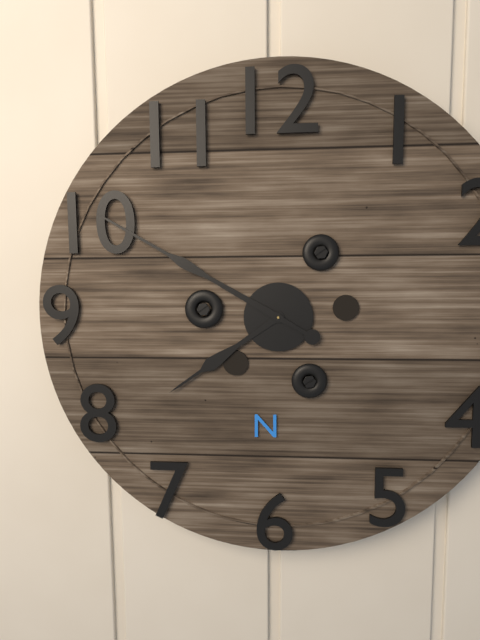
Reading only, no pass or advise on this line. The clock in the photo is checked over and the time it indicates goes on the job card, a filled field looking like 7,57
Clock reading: 7,50
